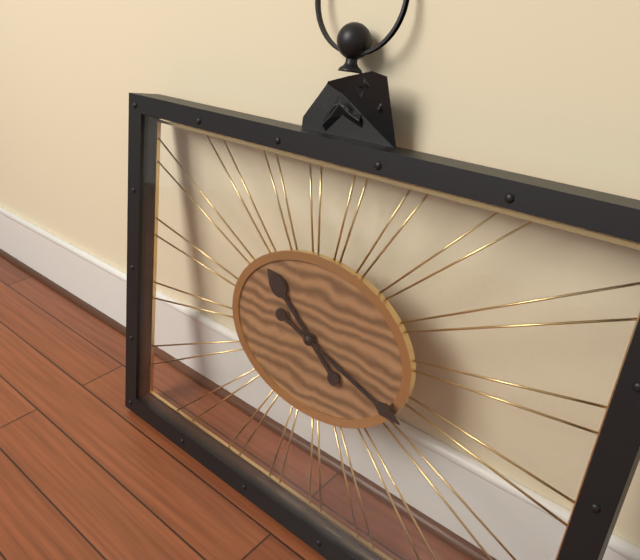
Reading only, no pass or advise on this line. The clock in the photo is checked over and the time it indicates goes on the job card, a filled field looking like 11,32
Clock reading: 10,18
